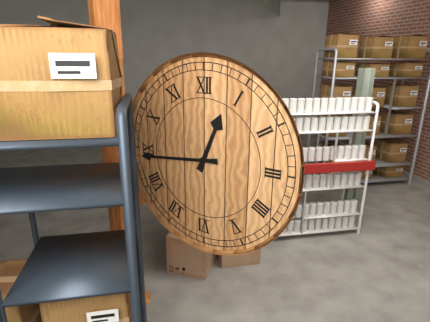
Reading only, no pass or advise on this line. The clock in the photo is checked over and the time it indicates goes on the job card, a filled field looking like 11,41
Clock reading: 12,44
